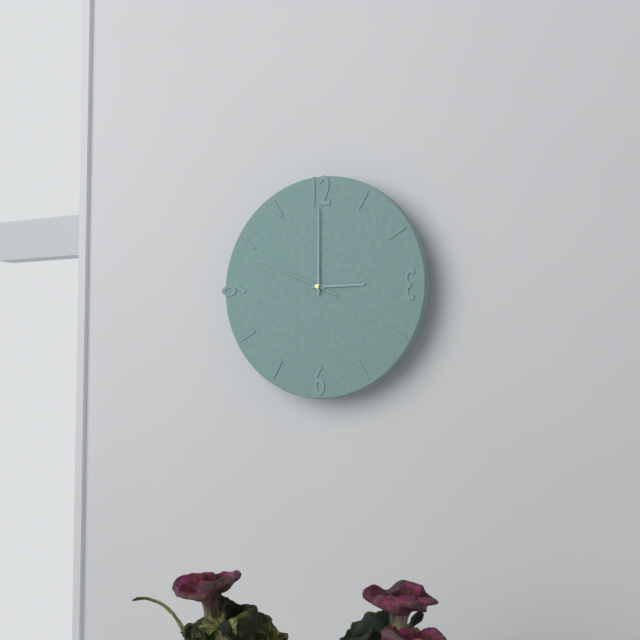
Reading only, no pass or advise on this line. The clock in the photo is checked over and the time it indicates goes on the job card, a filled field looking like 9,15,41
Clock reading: 3,00,49
